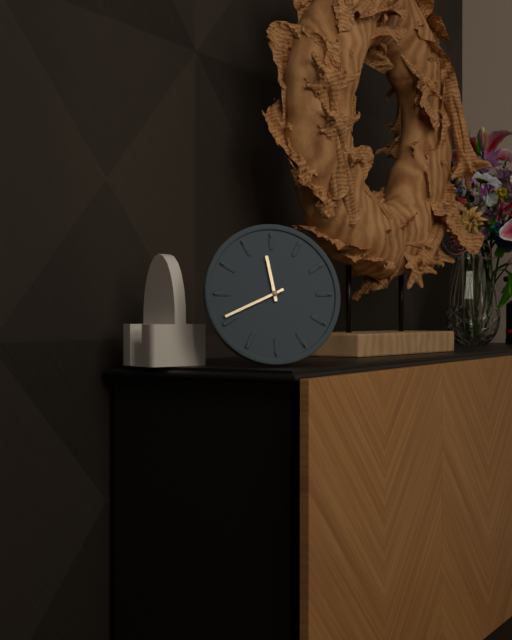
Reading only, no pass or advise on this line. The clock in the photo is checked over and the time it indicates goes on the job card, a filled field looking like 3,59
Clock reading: 11,41
